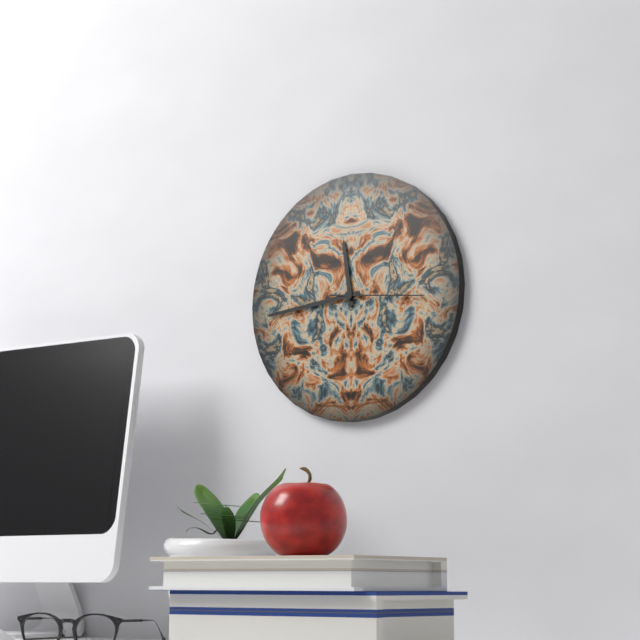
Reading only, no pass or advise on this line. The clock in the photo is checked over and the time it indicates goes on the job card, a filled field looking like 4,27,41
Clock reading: 11,44,16
